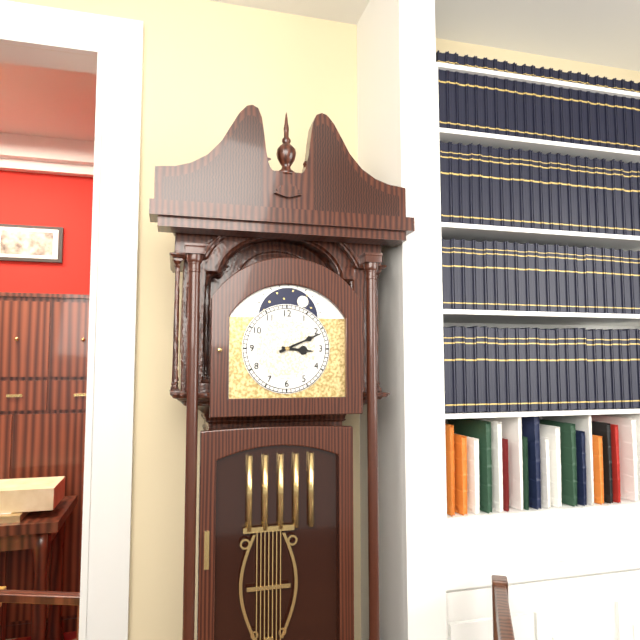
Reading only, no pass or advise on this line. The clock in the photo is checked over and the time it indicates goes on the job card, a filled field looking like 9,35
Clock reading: 3,11
